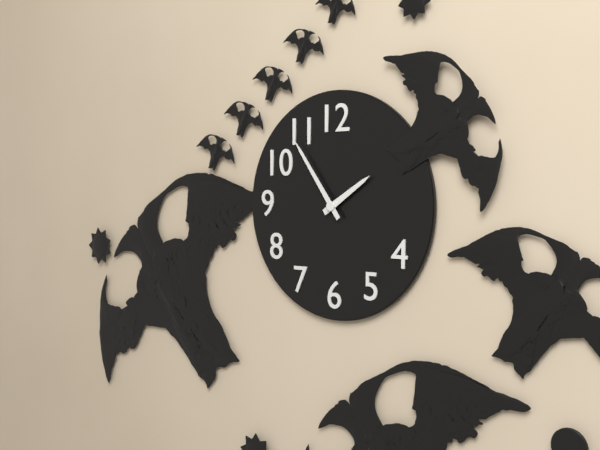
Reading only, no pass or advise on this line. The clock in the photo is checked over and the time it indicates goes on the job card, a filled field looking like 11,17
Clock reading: 1,54
